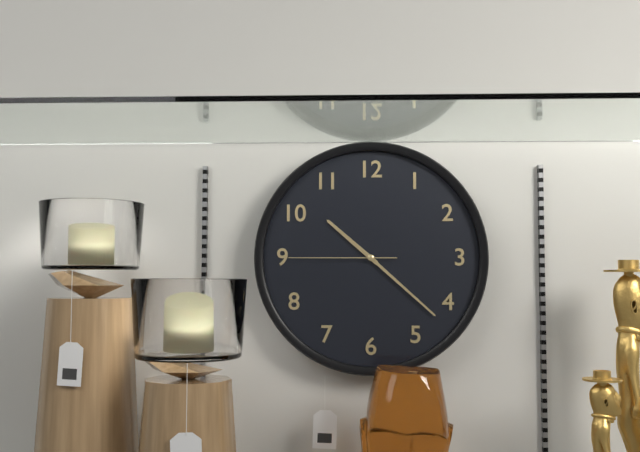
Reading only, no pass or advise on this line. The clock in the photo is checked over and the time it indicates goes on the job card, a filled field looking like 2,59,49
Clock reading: 10,22,45
